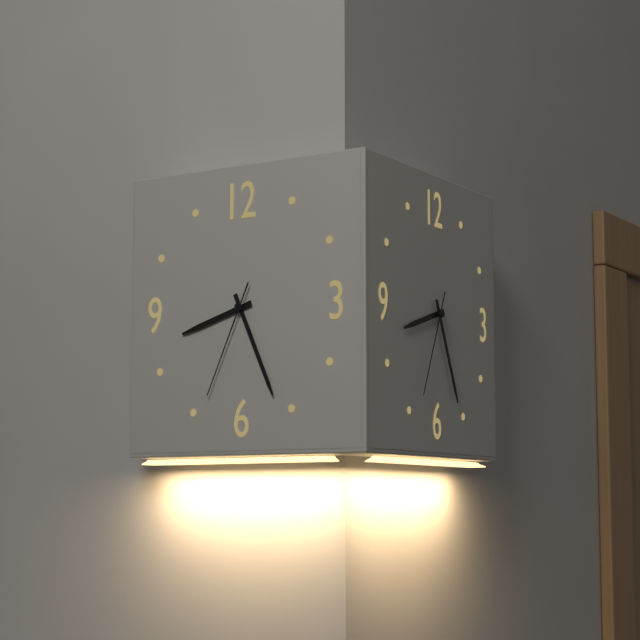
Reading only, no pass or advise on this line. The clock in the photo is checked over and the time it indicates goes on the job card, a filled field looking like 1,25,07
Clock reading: 8,26,34
